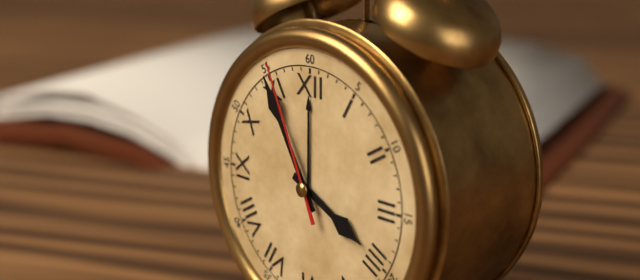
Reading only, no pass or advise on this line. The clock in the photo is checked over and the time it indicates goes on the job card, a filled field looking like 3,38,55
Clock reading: 3,55,56
